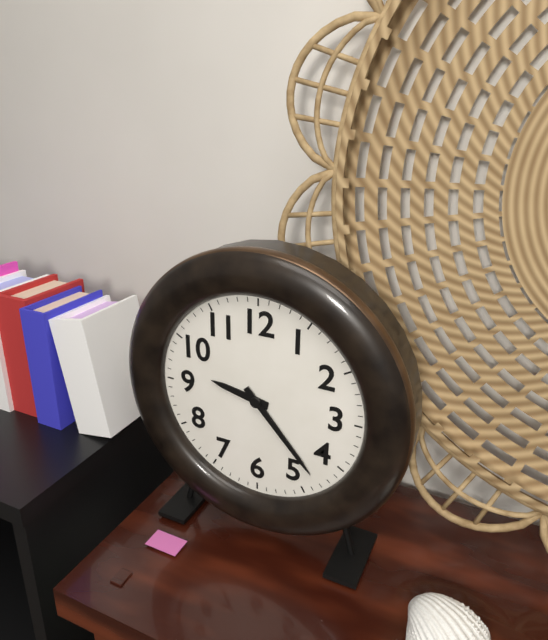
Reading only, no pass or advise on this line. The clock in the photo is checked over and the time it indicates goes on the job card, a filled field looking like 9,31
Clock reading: 9,23
